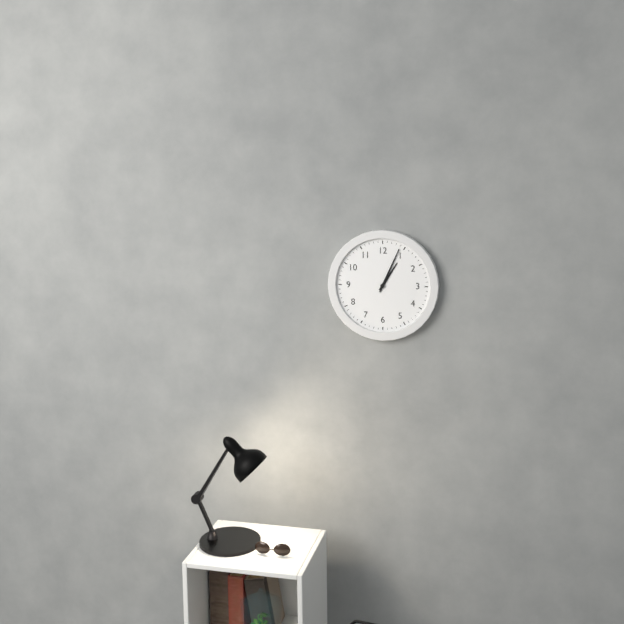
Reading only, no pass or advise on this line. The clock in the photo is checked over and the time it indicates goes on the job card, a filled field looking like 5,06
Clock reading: 1,04
